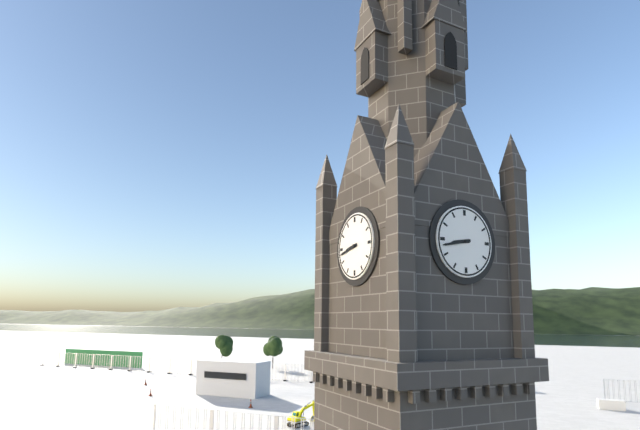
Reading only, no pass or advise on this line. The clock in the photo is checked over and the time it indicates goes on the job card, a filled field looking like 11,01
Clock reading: 8,43
